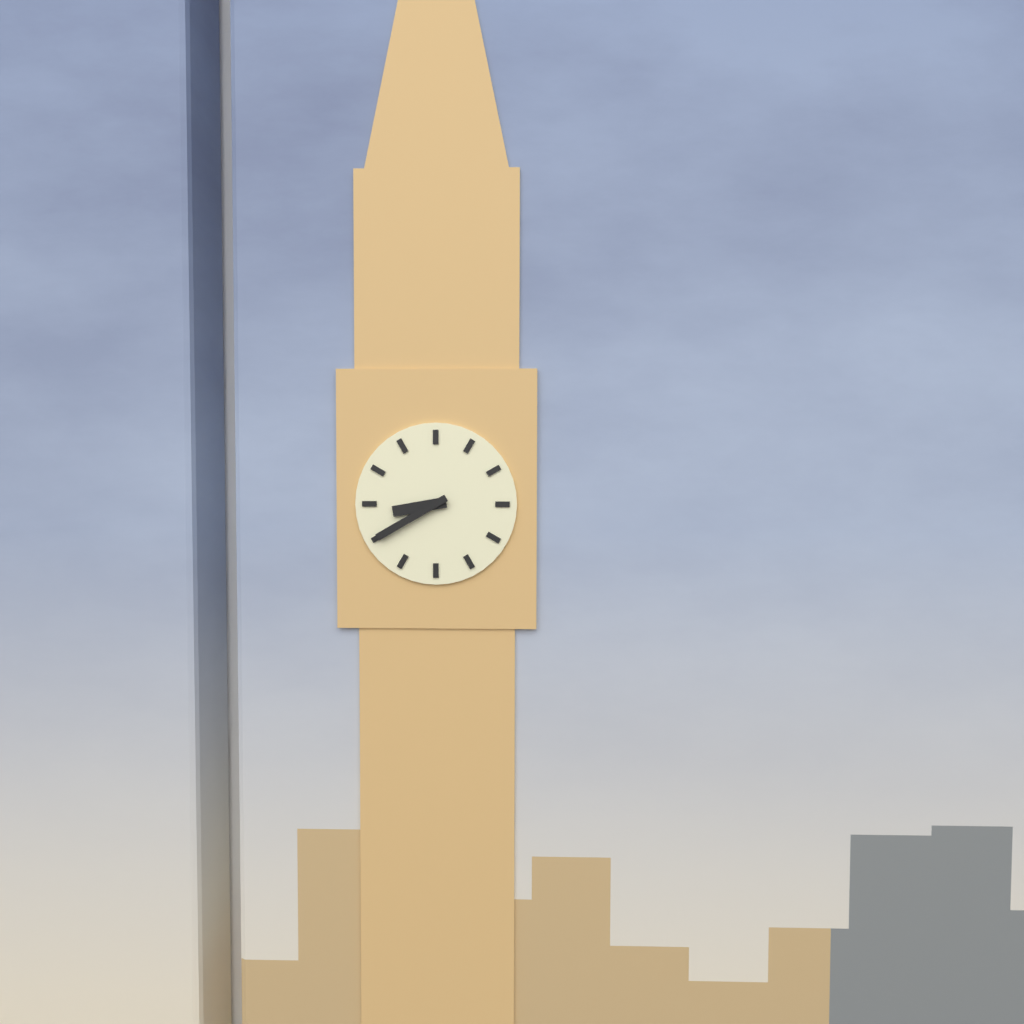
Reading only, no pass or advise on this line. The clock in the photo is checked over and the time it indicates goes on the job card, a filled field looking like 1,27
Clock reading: 8,40
